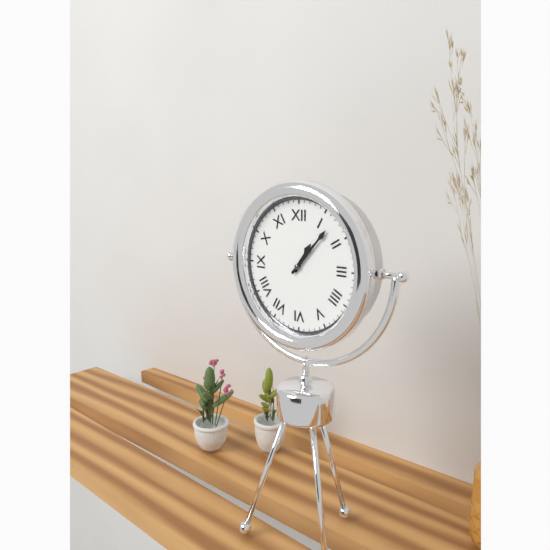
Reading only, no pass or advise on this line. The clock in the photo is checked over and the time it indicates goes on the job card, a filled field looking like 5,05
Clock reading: 1,07
